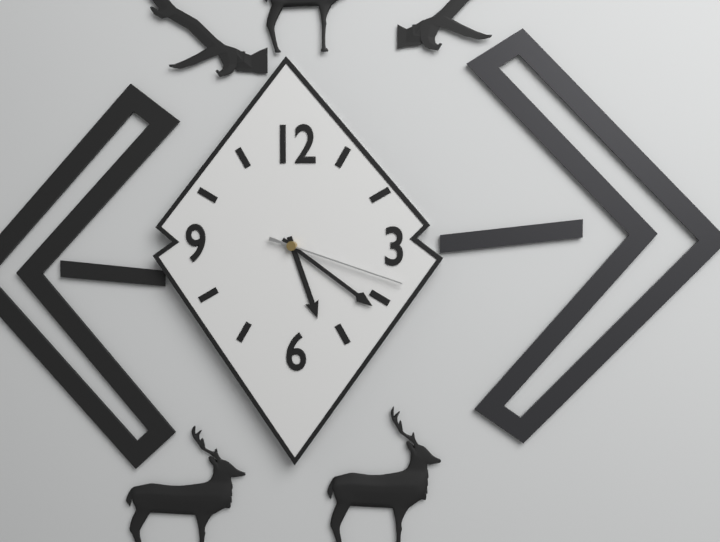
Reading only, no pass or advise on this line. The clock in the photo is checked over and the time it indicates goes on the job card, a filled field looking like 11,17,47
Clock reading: 5,21,18
